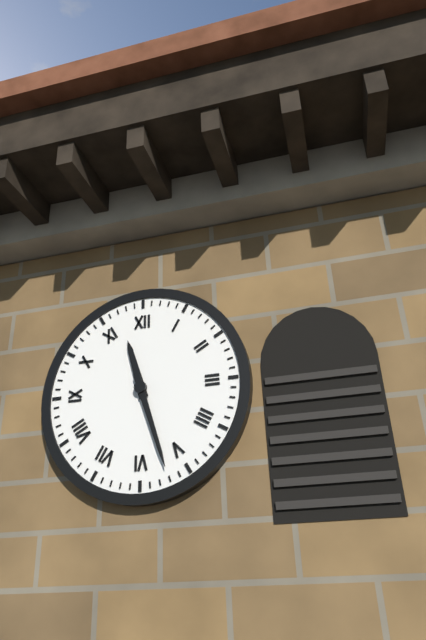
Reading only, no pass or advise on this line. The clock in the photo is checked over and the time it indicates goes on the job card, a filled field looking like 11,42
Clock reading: 11,27
